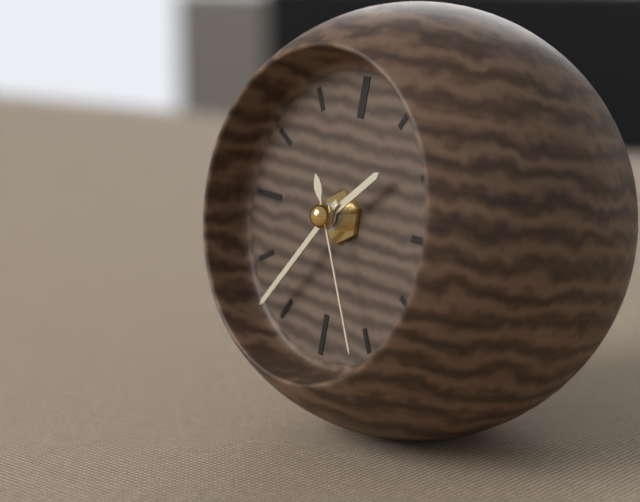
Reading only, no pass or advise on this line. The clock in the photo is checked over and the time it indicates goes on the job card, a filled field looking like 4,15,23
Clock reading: 1,36,25
